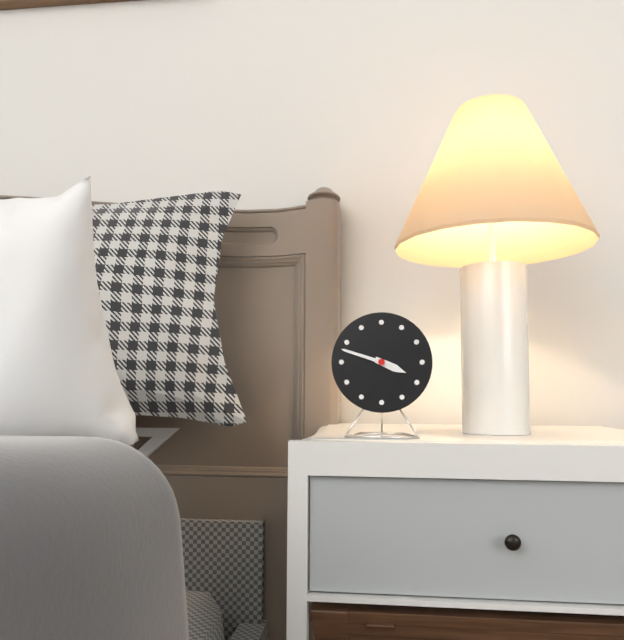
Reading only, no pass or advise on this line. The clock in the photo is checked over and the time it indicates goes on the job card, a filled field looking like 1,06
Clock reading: 3,48
